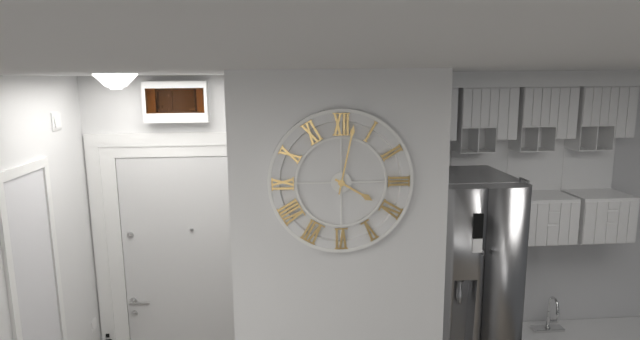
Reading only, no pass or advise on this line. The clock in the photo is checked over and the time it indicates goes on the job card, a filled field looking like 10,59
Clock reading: 4,02
